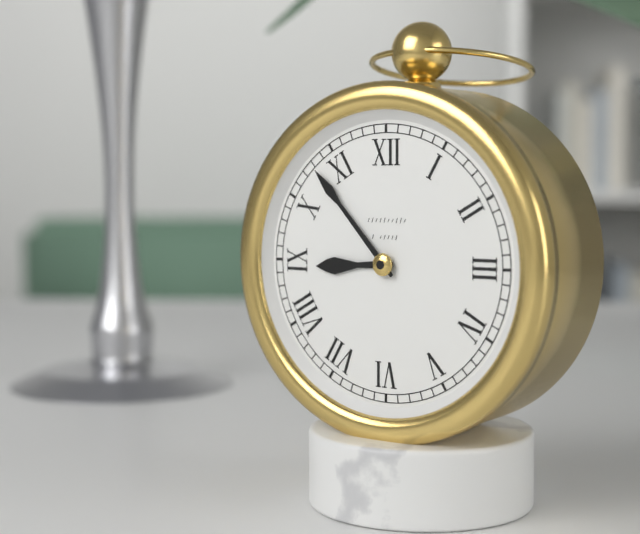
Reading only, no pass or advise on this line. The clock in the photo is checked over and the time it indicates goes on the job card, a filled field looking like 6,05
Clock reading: 8,53
